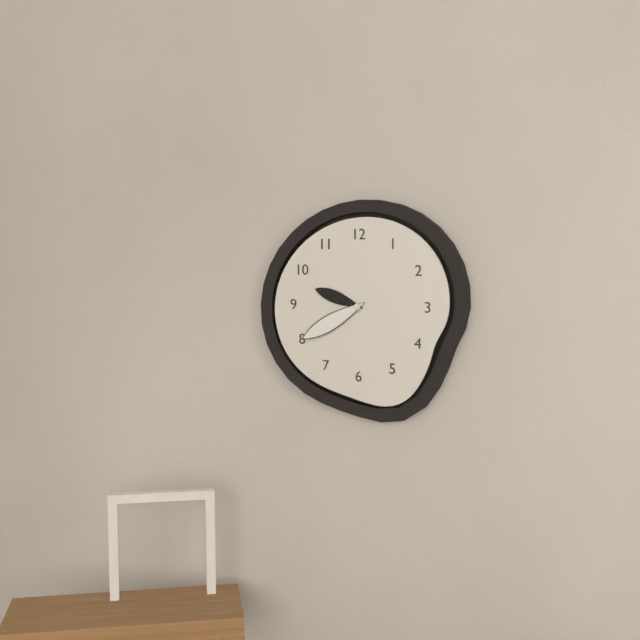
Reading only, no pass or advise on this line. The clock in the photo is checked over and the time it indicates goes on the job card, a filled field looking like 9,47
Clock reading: 9,40
